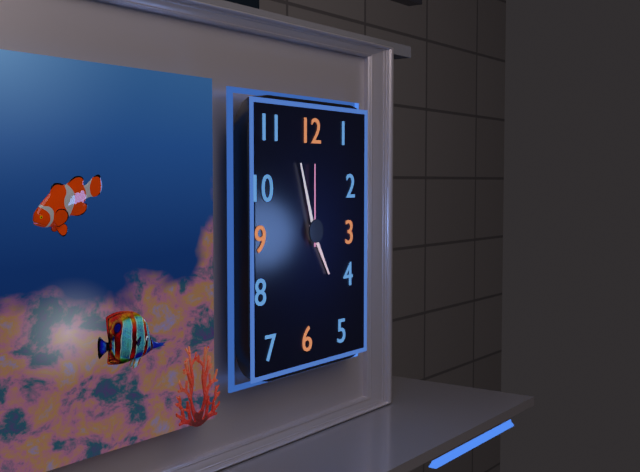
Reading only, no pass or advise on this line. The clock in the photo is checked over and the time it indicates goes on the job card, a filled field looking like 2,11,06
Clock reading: 4,57,00
